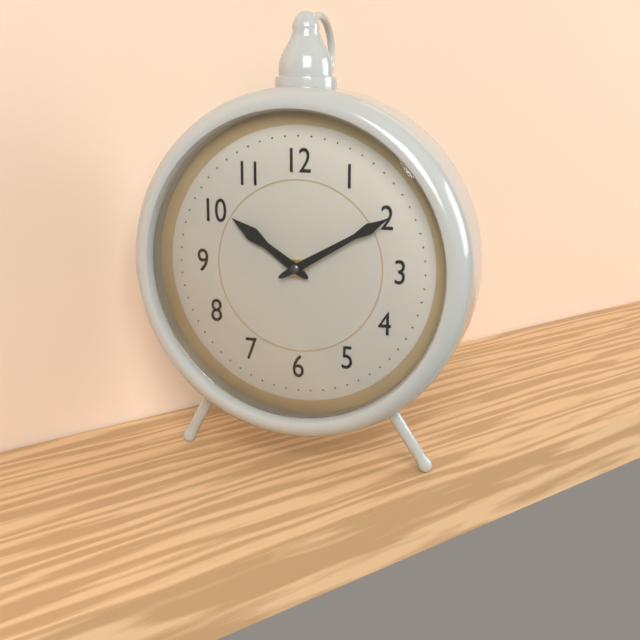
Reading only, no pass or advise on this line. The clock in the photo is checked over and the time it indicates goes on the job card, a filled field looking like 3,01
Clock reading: 10,10
